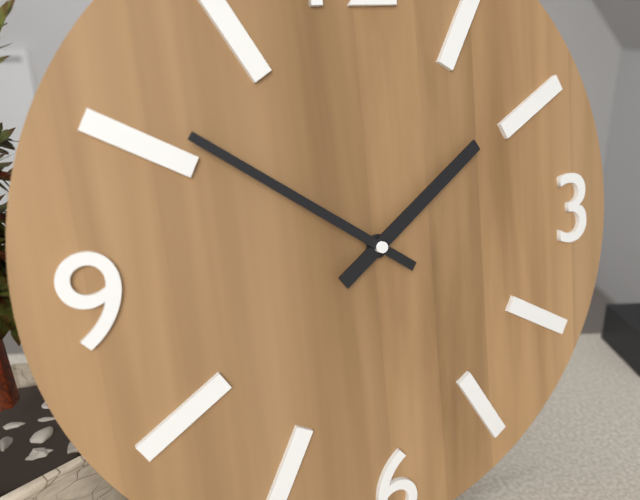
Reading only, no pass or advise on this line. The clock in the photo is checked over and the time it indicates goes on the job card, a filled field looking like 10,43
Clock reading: 1,51
